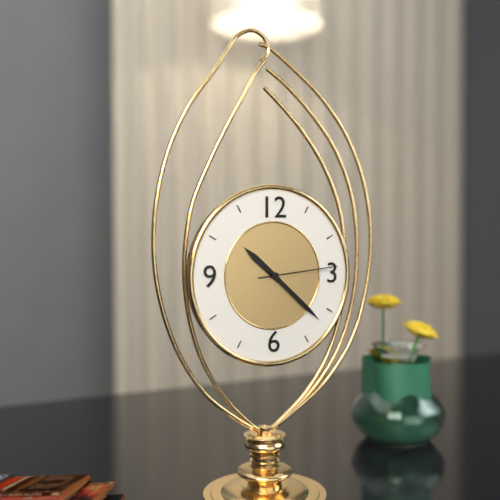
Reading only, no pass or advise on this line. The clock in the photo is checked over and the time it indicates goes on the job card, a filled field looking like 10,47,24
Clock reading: 10,22,14
